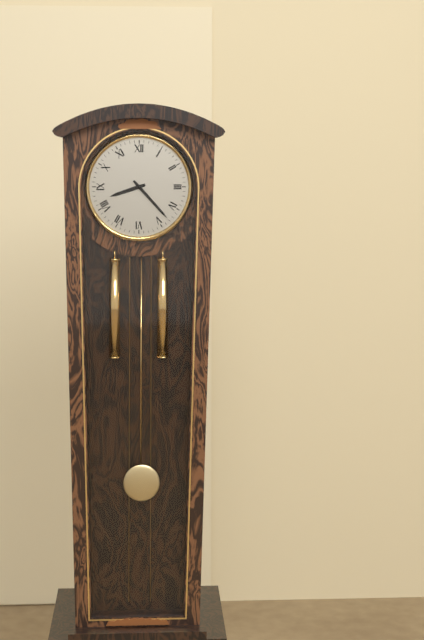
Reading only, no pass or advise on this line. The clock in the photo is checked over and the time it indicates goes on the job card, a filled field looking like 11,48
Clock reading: 8,23
